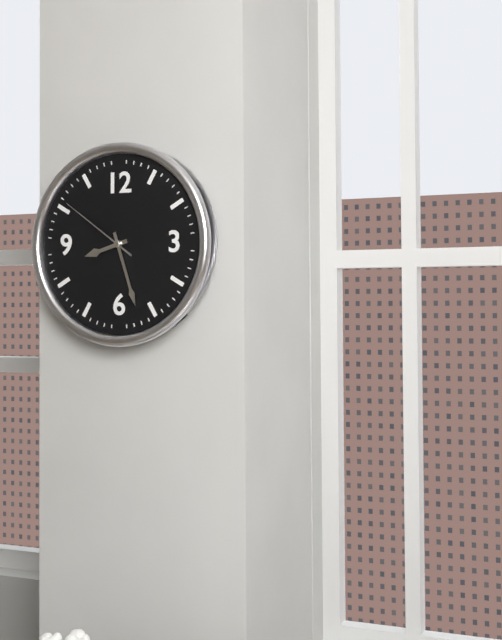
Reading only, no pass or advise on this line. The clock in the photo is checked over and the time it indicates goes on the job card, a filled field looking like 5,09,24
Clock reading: 8,27,51
